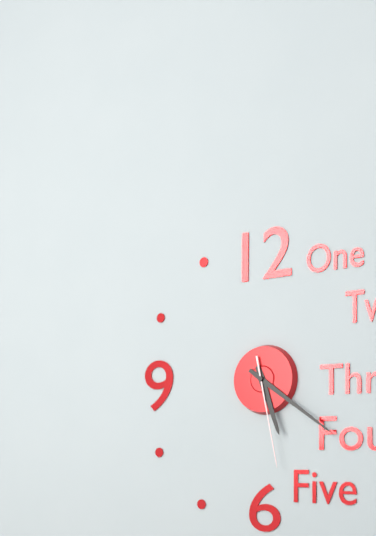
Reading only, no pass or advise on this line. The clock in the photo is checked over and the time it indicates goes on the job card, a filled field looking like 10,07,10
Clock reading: 5,21,28
